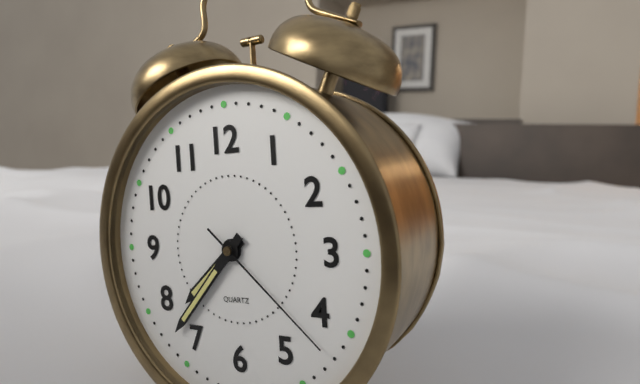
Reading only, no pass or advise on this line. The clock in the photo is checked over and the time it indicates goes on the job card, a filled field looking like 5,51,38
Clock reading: 7,37,22
